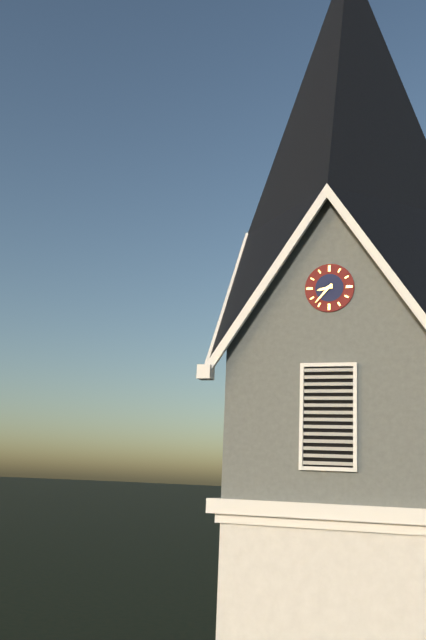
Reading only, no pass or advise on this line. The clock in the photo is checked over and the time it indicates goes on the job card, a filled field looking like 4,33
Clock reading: 8,37
